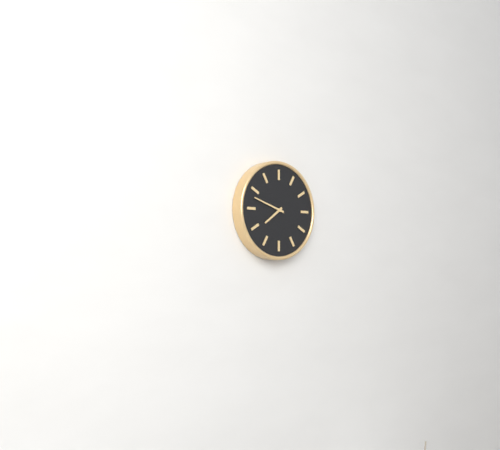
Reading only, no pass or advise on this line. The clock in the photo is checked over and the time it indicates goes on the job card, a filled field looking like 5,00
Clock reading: 7,48
